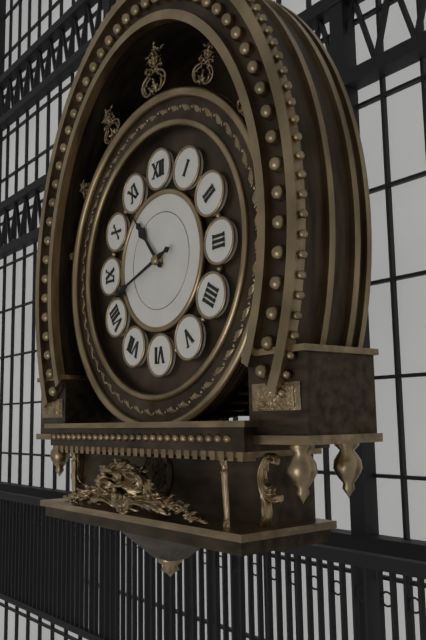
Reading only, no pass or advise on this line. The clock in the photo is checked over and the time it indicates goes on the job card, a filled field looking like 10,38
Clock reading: 10,42
